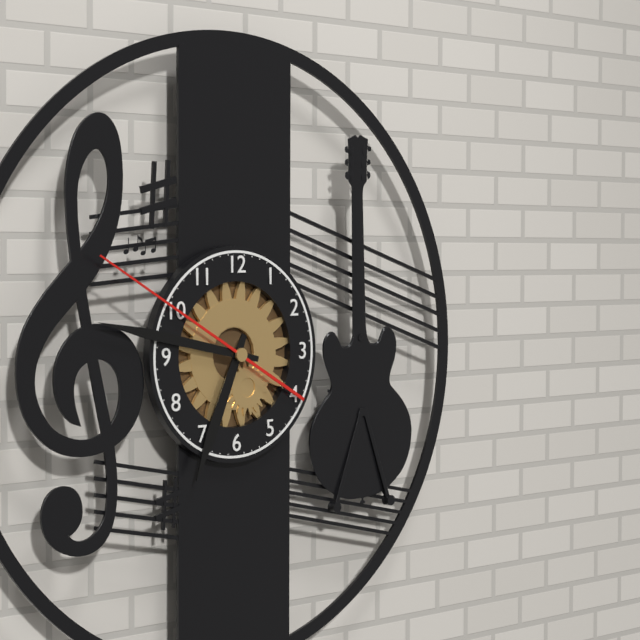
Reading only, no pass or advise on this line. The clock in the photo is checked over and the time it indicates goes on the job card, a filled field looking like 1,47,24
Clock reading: 6,47,50
